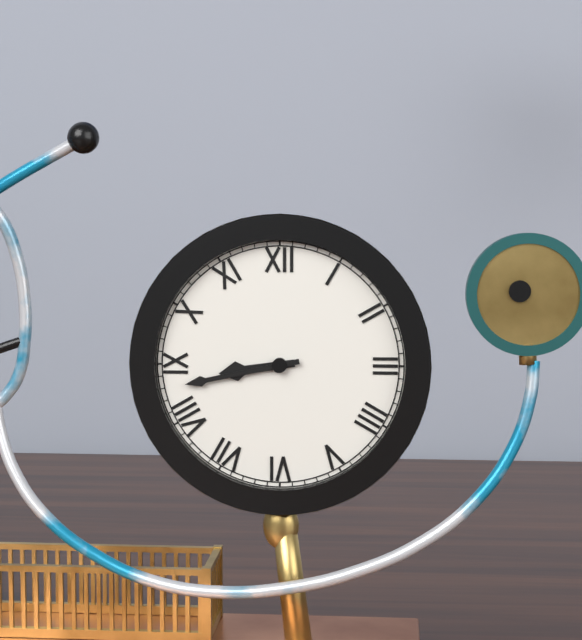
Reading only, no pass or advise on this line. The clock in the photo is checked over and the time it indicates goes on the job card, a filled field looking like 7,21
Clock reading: 8,43
